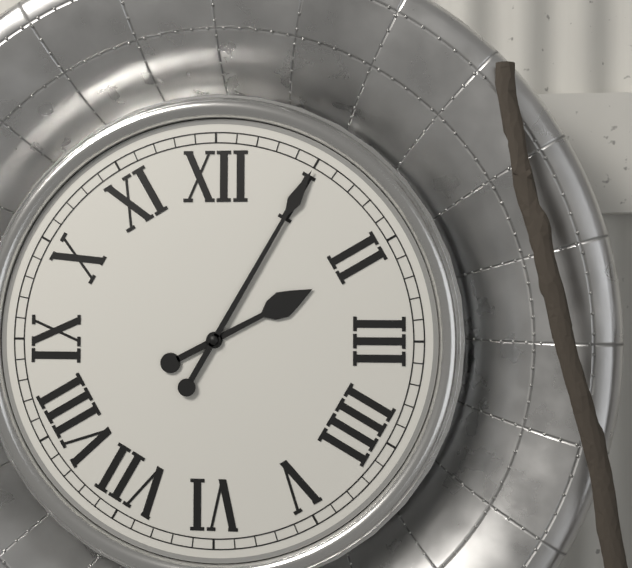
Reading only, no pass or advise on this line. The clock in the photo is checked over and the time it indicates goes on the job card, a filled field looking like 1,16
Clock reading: 2,05
